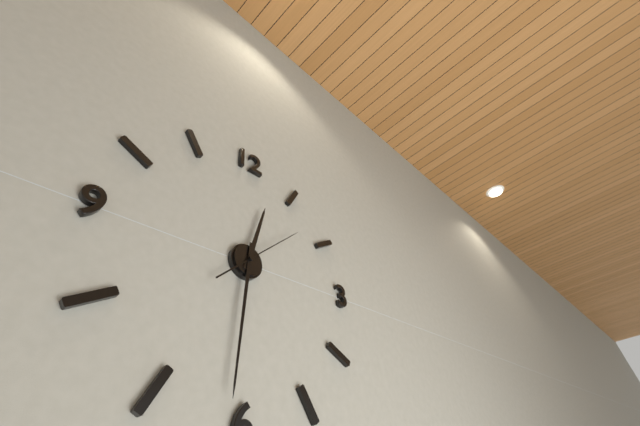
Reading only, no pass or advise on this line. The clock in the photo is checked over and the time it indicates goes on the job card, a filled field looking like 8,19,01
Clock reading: 12,31,08
